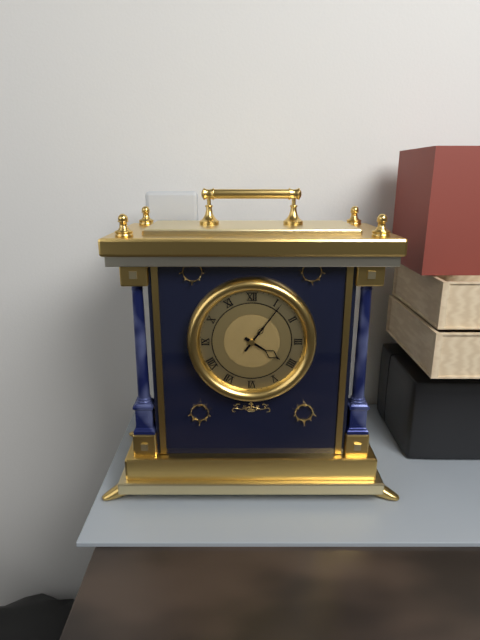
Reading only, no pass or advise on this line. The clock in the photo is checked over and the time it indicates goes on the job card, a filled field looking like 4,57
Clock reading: 4,06
